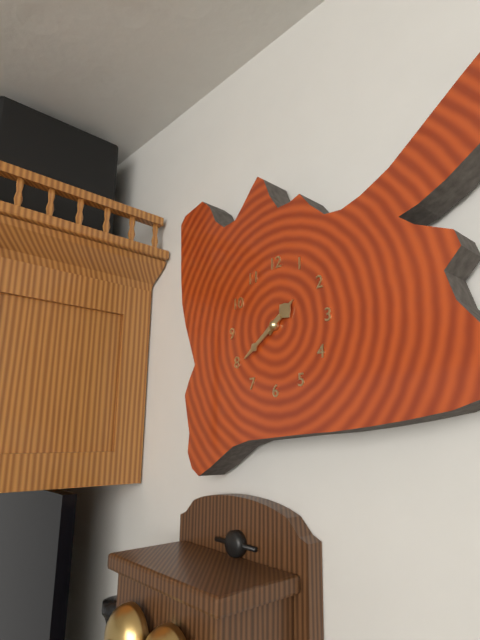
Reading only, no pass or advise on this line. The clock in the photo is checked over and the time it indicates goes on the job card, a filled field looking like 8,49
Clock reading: 1,39
